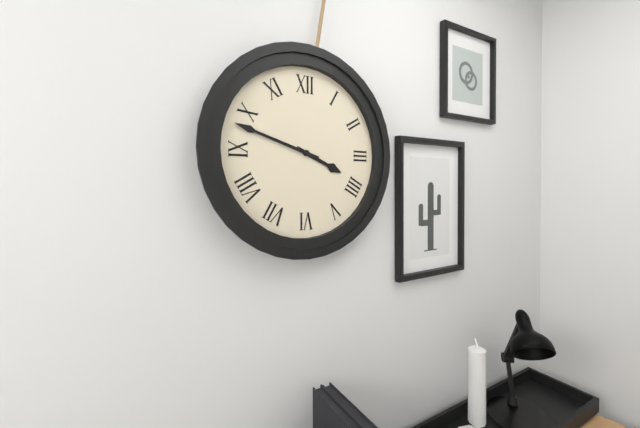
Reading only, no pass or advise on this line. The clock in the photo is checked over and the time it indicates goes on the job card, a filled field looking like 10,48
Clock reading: 3,48
